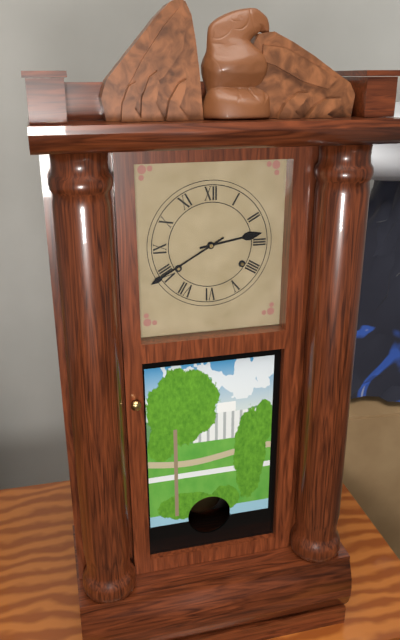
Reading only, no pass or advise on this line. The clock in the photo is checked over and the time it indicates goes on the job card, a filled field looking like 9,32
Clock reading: 2,40
